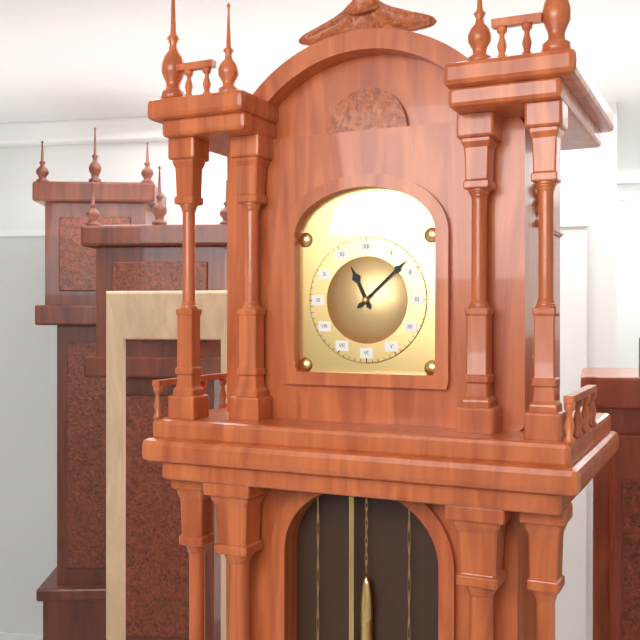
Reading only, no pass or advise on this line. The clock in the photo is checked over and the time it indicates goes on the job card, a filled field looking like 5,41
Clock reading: 11,08
